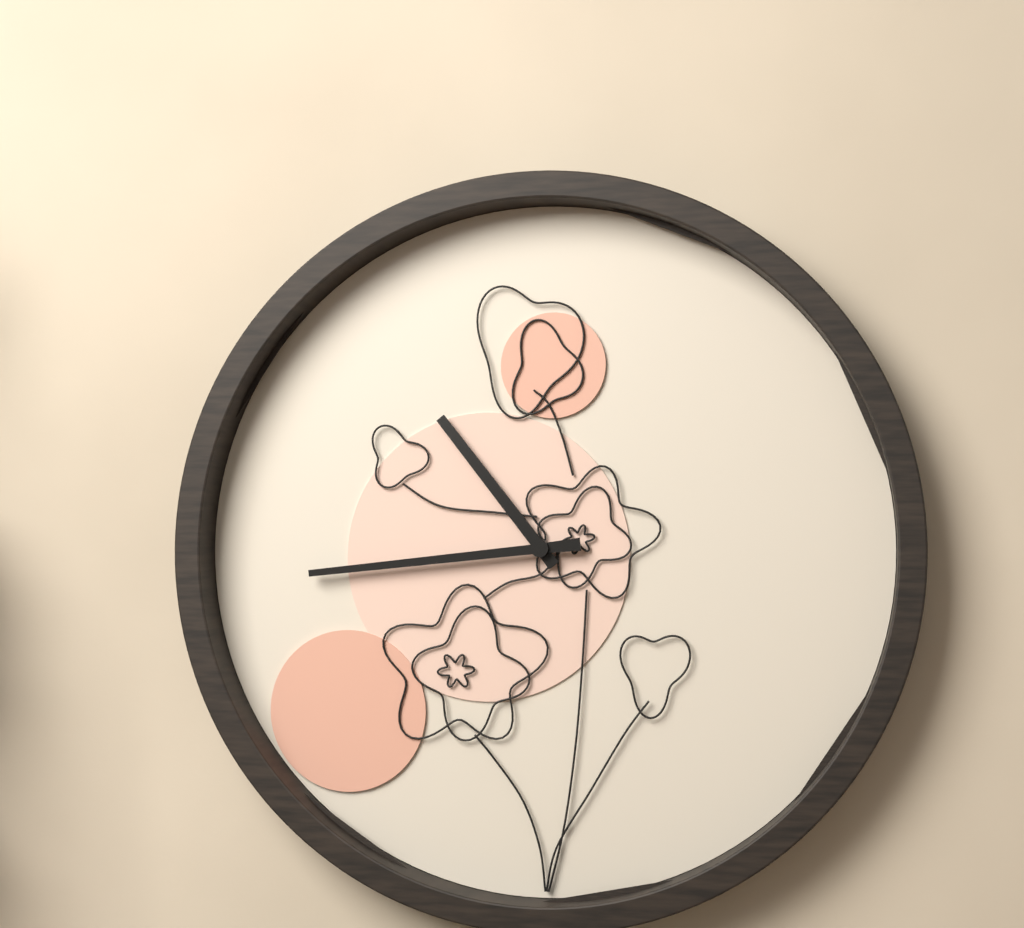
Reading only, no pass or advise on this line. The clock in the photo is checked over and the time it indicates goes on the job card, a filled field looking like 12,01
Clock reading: 10,44
